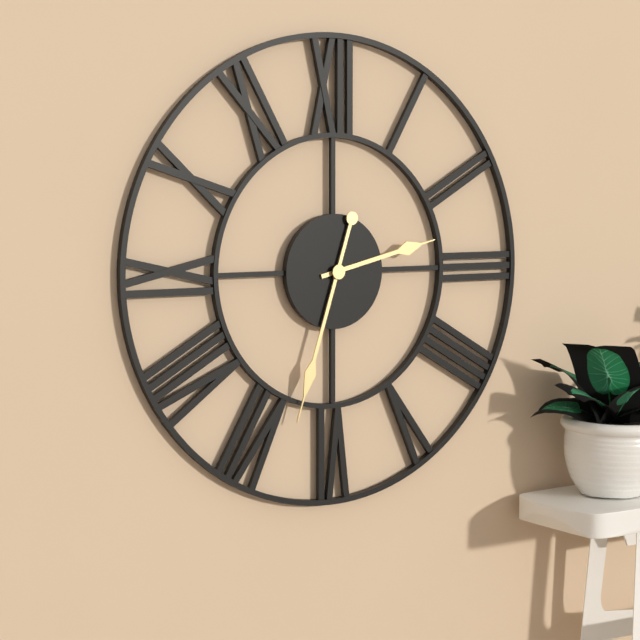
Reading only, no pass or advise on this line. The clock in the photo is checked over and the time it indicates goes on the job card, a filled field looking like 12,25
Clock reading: 2,33
